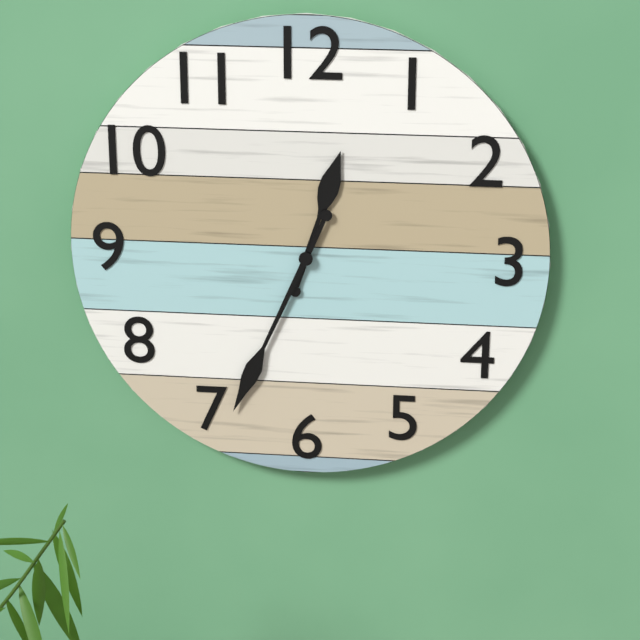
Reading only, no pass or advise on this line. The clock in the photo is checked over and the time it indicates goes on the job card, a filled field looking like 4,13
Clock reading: 12,34
